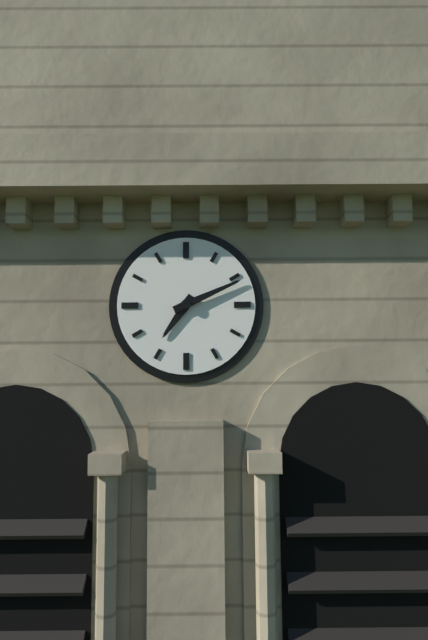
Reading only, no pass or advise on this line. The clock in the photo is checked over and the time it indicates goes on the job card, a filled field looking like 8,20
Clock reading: 7,11
